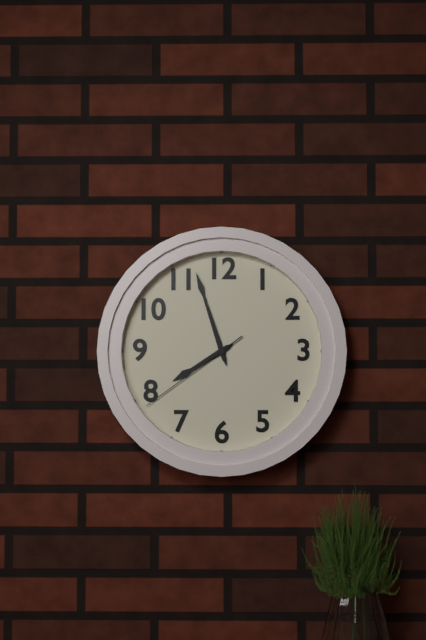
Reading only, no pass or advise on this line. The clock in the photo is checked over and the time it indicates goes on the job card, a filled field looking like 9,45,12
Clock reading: 7,57,39
